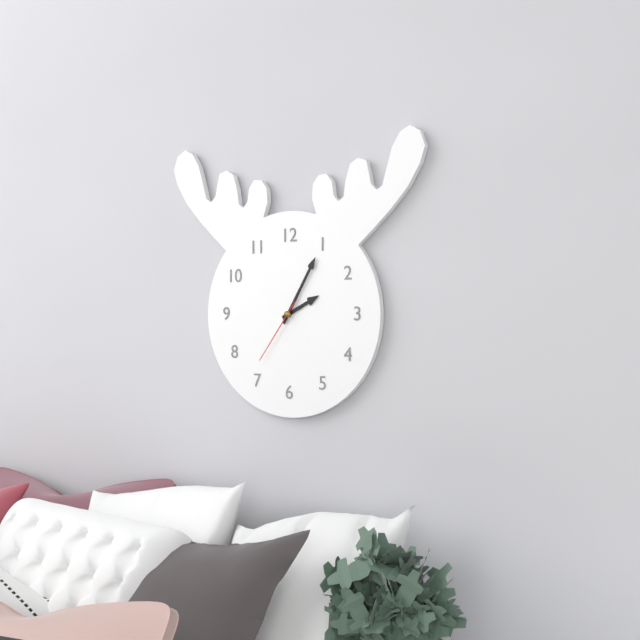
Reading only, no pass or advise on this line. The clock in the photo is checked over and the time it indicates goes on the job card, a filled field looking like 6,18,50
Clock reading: 2,05,36
